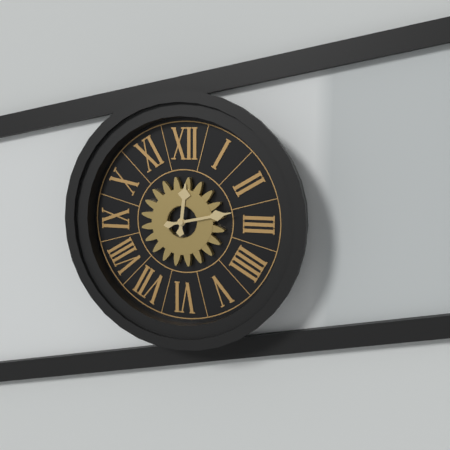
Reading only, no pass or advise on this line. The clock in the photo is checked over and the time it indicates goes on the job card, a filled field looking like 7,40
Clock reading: 12,13
